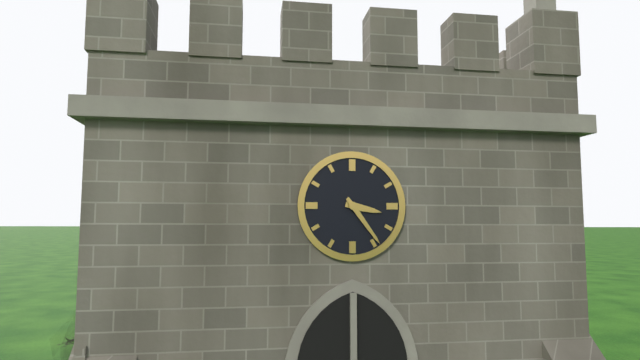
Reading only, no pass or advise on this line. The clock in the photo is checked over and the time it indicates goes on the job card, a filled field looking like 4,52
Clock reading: 3,24
